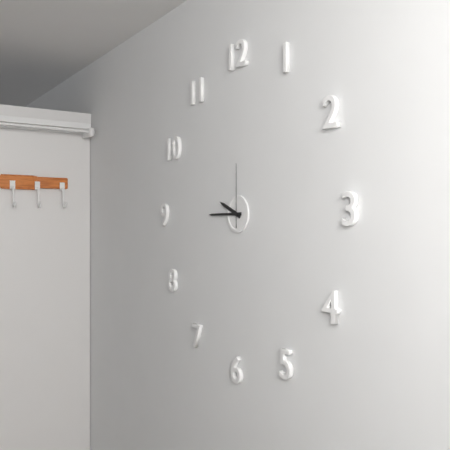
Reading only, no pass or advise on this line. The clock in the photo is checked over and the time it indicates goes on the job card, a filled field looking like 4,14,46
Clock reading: 9,45,00
